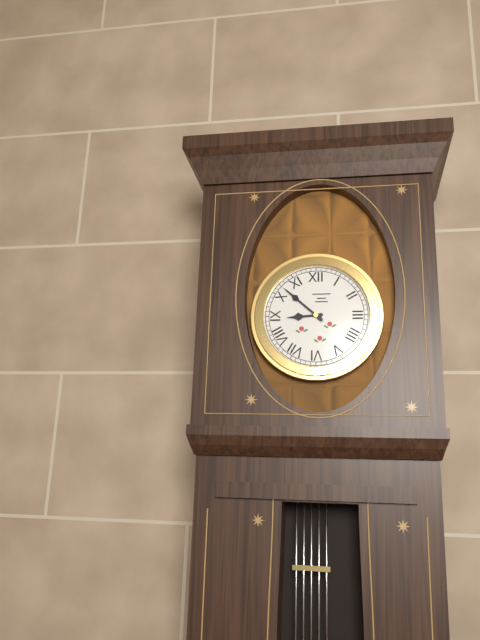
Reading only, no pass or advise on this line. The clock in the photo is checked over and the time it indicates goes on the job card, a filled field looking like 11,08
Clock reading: 8,52
